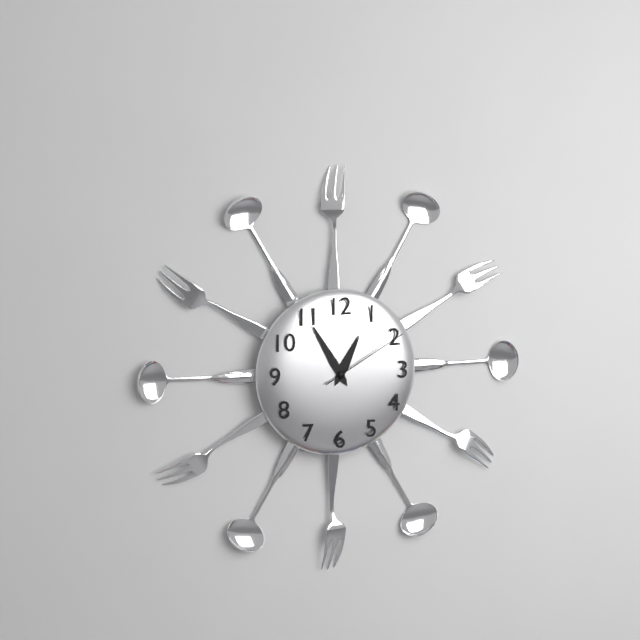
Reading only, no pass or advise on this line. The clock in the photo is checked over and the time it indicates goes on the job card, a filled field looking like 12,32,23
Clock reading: 12,55,10
